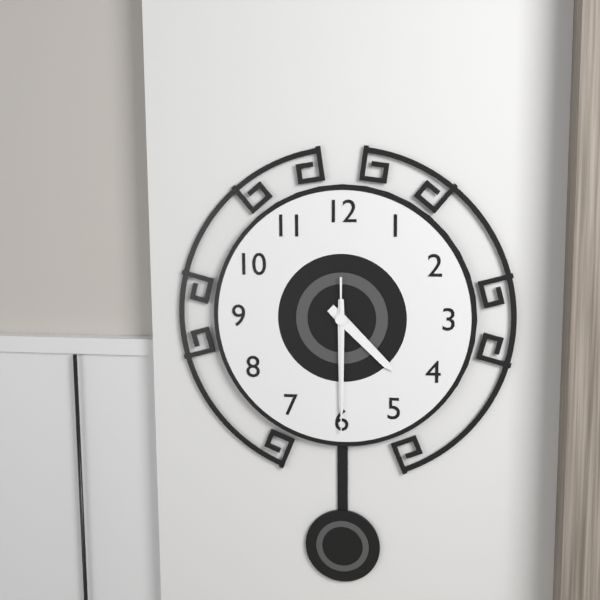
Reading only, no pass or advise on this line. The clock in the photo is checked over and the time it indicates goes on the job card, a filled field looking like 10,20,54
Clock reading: 4,30,30
